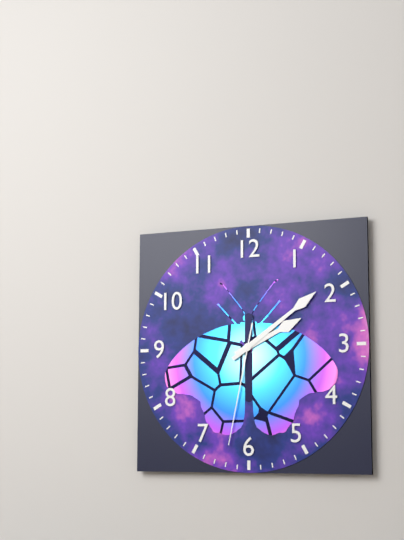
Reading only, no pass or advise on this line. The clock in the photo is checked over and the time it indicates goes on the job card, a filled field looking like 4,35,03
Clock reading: 2,09,32
